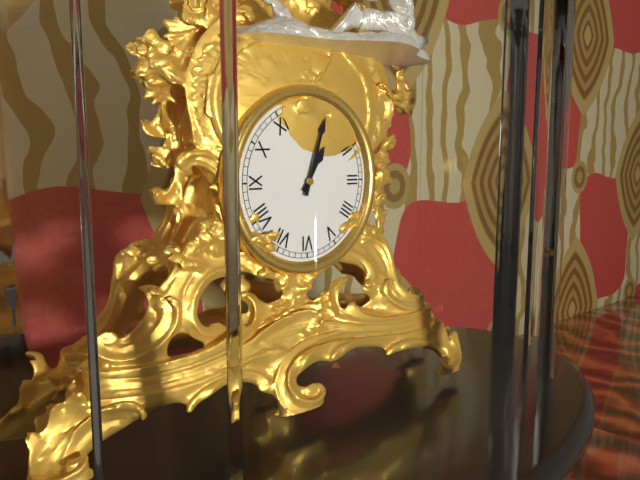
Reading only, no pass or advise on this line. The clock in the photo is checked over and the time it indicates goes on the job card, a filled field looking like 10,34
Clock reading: 1,03
